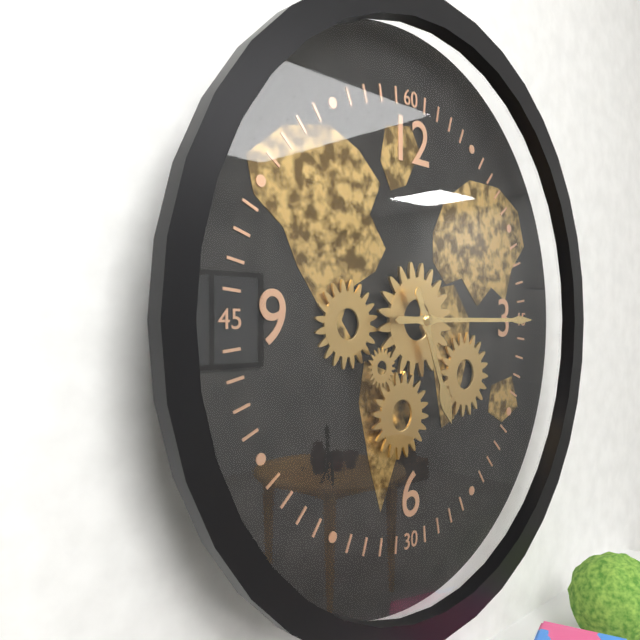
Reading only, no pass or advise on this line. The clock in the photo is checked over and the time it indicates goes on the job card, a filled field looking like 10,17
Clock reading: 5,15
